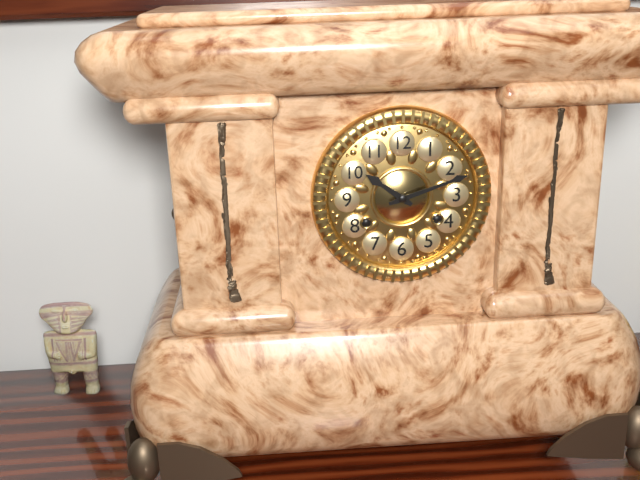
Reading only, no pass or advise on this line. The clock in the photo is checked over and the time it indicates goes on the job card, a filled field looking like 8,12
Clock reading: 10,12
